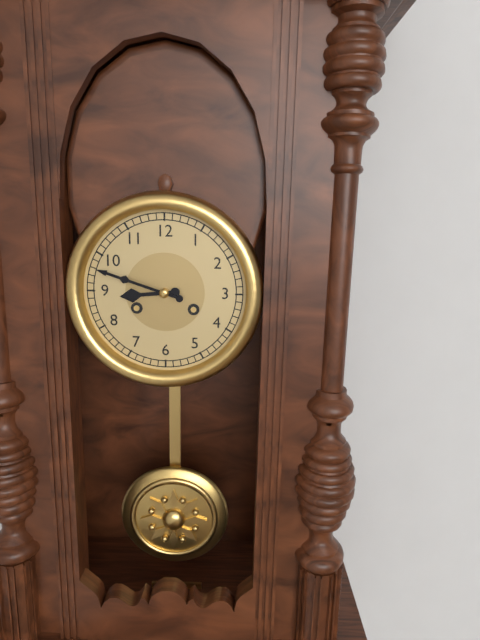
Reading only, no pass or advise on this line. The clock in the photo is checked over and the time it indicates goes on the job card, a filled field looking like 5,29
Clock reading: 8,48
